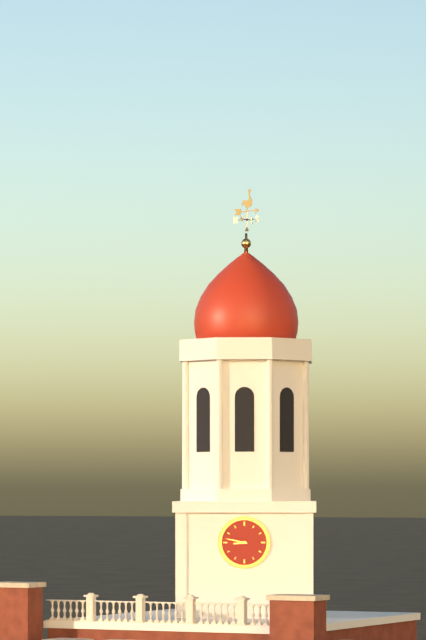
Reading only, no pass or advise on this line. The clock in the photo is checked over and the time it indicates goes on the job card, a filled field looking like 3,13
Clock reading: 8,47
